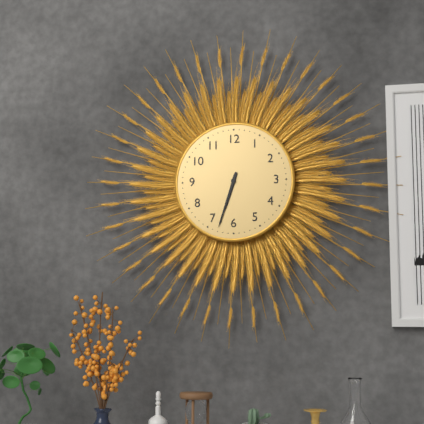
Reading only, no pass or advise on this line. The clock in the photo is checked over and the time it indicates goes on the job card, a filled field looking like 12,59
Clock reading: 6,33
